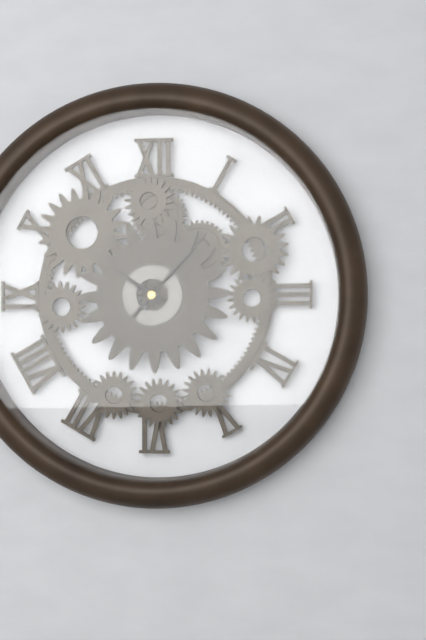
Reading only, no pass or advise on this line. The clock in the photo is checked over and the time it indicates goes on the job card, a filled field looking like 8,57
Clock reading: 10,07
